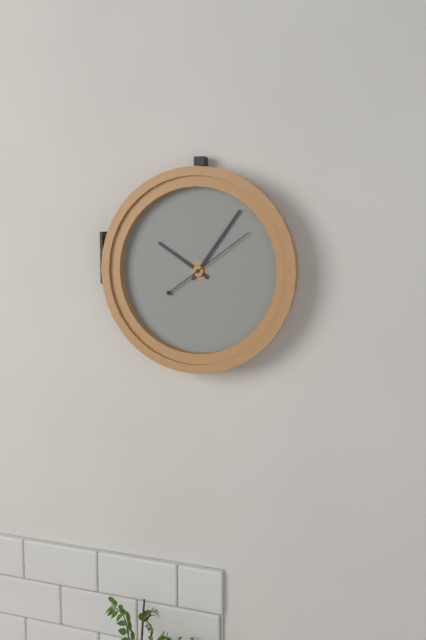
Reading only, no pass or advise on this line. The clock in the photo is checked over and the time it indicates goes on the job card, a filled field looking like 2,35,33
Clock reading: 10,06,09
